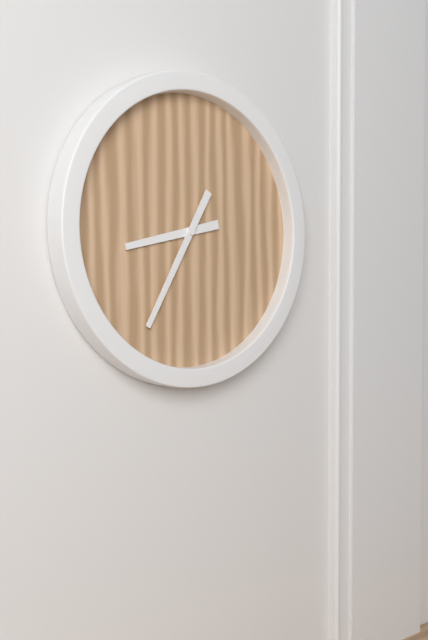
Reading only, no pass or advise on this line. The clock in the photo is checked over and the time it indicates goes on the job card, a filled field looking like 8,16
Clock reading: 8,35
